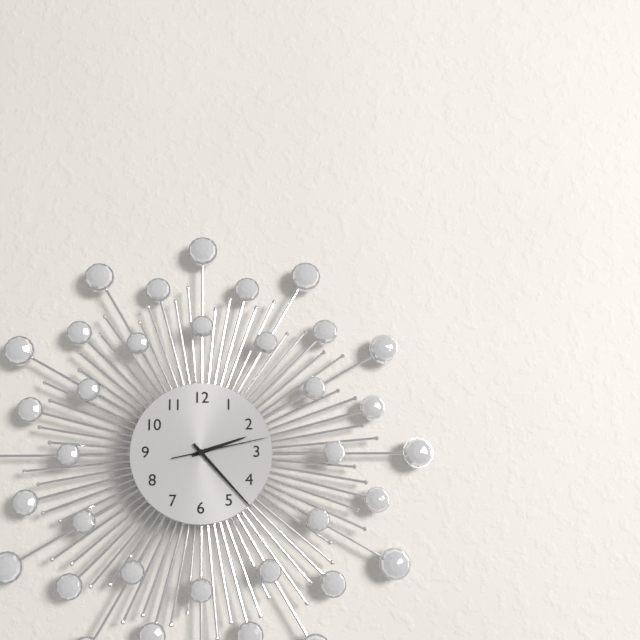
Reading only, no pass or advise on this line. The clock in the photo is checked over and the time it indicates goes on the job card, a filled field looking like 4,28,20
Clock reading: 2,23,13
